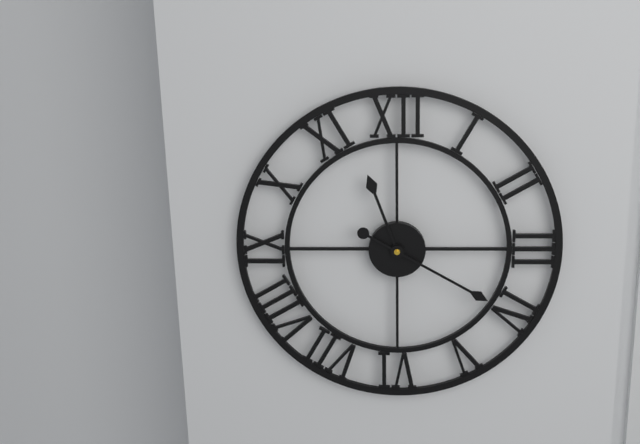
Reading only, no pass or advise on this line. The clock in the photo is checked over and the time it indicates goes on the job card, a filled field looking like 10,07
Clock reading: 11,20
